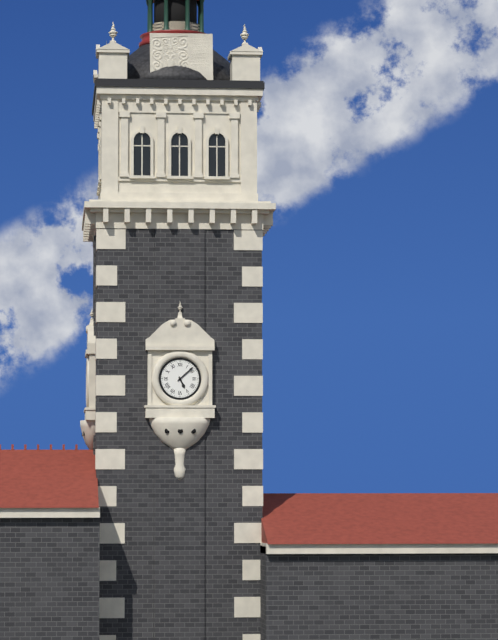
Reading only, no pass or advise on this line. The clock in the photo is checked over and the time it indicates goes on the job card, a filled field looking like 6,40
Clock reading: 5,08
